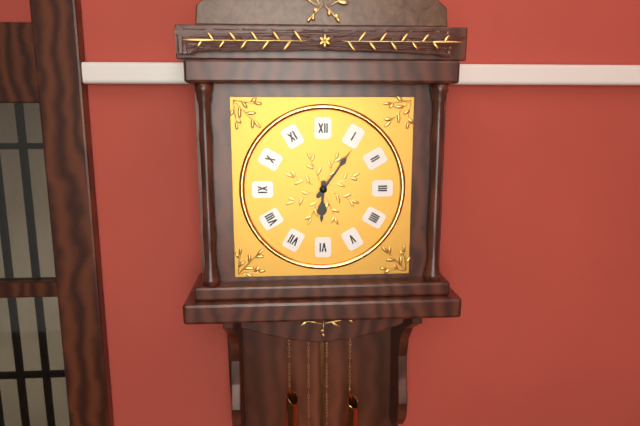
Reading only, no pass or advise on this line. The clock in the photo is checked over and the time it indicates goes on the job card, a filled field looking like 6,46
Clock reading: 6,06
